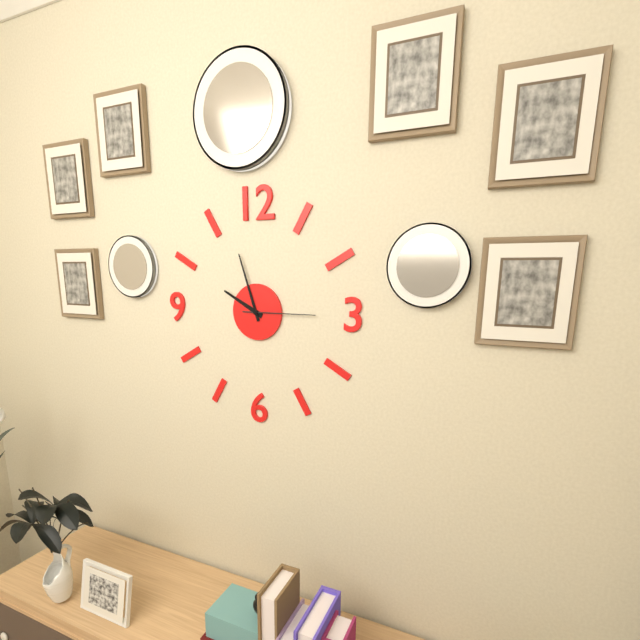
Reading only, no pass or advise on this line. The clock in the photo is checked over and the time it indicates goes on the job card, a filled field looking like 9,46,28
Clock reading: 9,57,15
